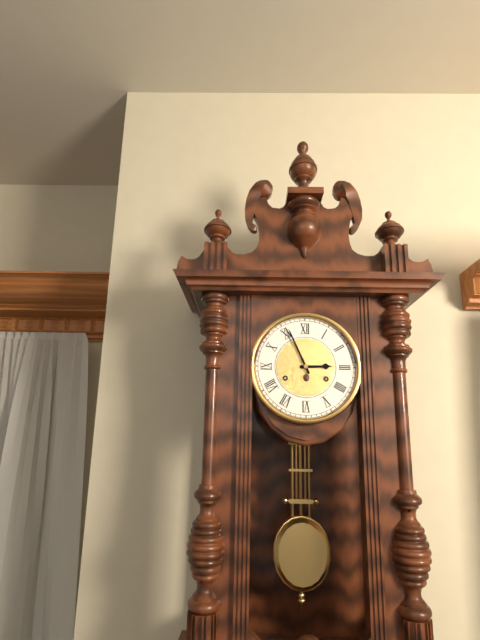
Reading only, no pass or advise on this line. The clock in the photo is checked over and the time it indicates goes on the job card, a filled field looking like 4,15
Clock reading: 2,56
